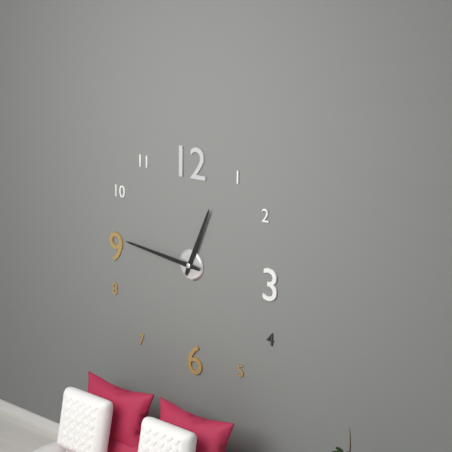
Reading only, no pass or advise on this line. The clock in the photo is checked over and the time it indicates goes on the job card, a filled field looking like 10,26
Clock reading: 12,46
